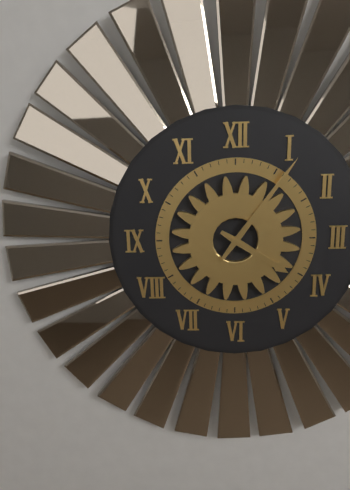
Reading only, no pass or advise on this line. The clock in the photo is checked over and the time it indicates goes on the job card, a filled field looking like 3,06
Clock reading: 4,06
